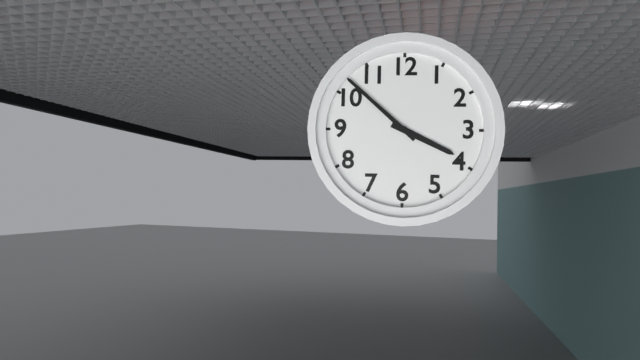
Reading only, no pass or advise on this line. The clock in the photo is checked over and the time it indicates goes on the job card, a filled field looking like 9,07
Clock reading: 3,52
